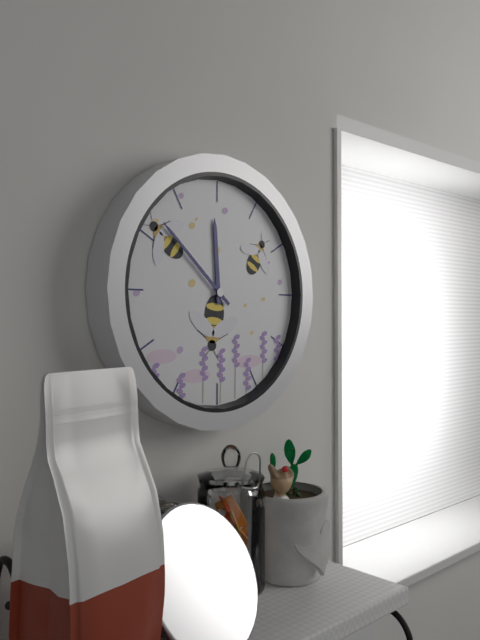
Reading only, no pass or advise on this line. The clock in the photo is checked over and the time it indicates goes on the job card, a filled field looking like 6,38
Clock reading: 11,52
